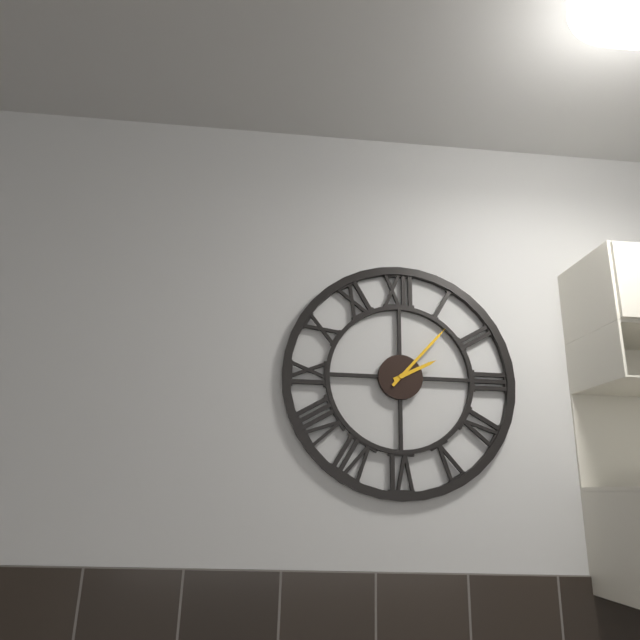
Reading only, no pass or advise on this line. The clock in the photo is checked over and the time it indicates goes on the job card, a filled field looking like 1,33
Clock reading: 2,07
